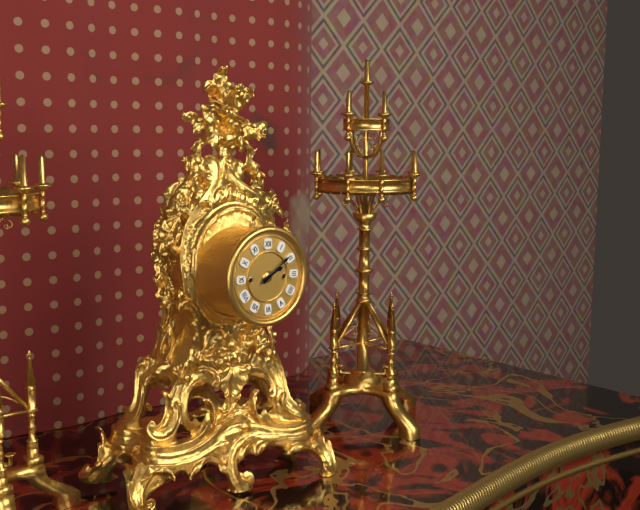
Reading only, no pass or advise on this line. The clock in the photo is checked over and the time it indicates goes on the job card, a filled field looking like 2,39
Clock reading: 2,09
